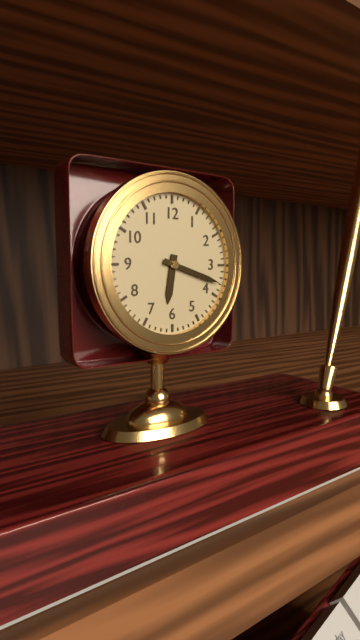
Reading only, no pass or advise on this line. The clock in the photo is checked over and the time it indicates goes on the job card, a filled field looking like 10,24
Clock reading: 6,18
